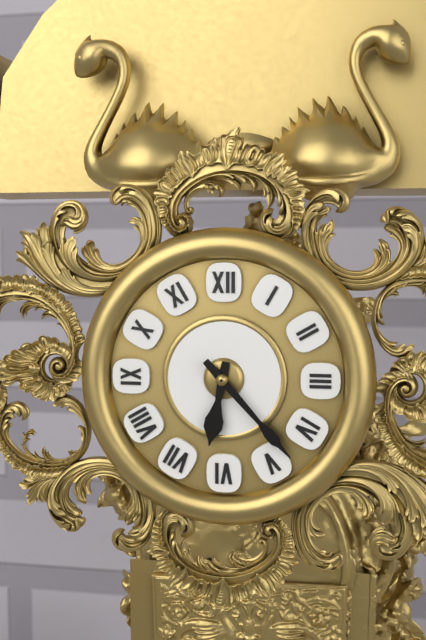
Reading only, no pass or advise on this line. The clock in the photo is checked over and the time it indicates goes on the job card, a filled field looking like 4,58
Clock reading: 6,23
